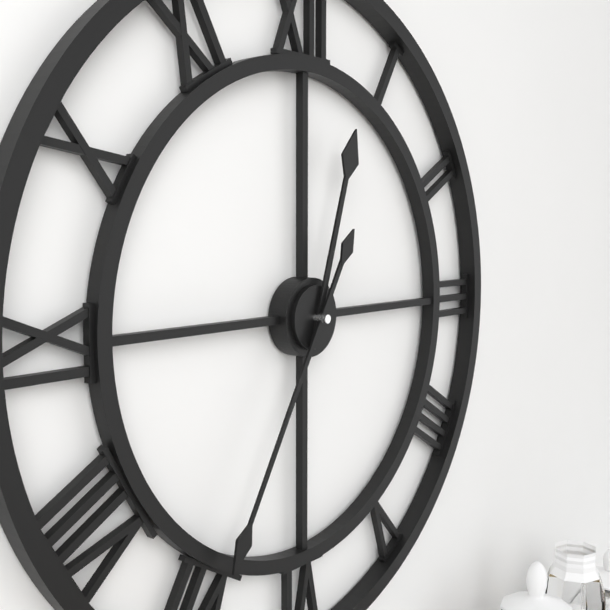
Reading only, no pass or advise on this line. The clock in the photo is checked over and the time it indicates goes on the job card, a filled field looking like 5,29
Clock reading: 12,35
